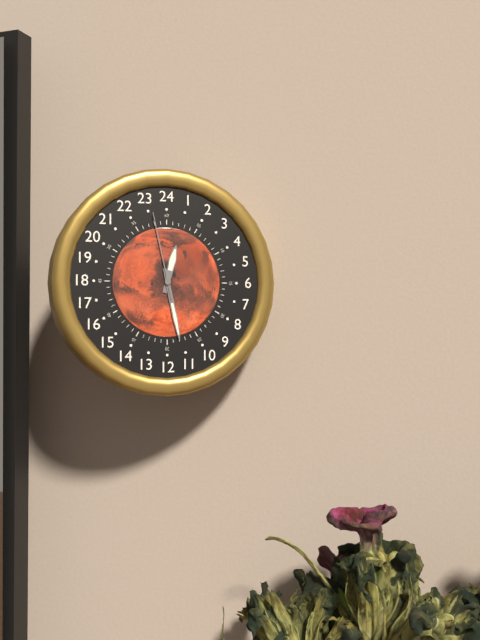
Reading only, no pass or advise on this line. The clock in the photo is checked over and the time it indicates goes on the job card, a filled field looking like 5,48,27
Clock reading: 12,28,58
